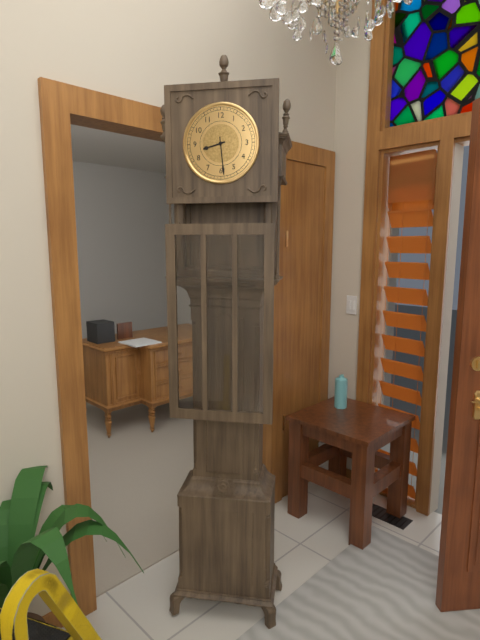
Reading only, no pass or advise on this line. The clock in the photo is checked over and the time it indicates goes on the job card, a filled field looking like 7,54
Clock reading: 8,29
